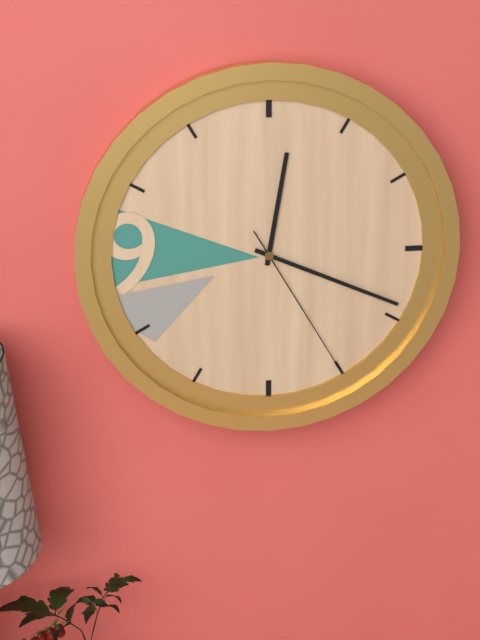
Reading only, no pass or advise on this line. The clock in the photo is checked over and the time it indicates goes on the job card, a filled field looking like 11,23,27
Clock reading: 12,19,25
